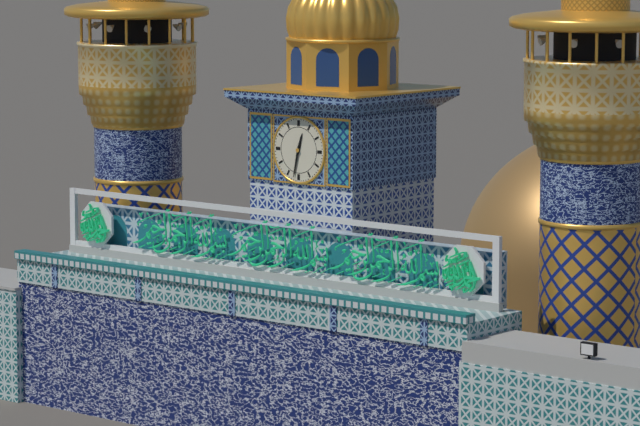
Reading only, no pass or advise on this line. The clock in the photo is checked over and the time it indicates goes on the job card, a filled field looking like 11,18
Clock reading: 12,32
